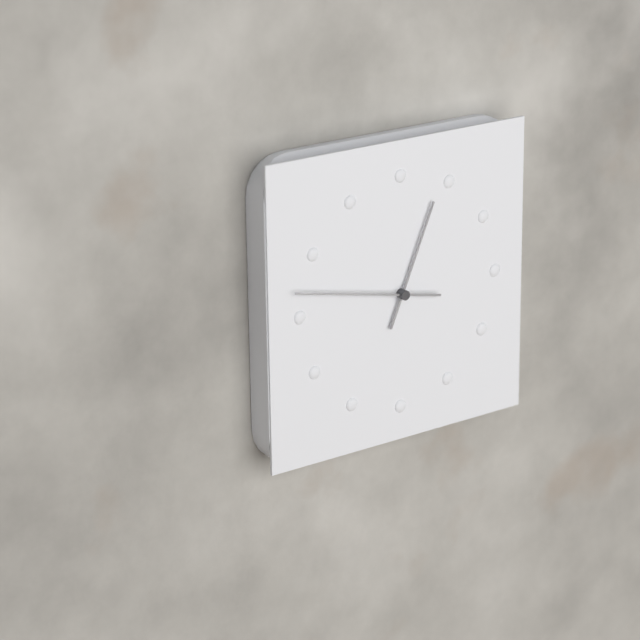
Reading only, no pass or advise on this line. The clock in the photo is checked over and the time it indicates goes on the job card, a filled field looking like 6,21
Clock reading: 12,47
